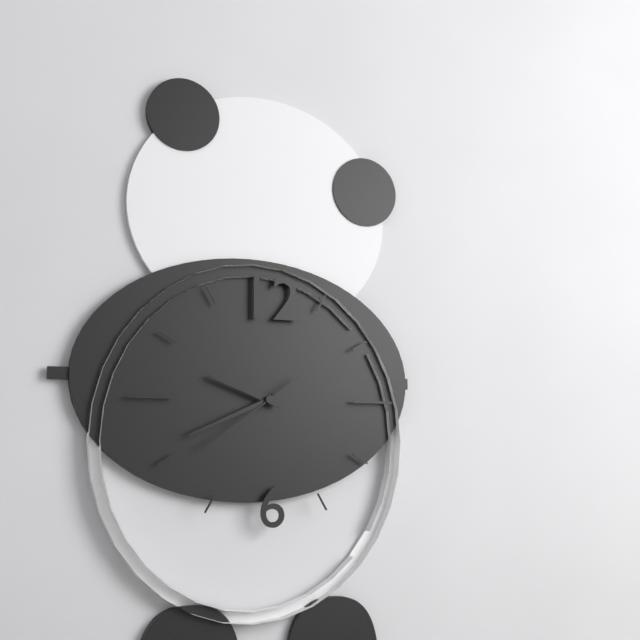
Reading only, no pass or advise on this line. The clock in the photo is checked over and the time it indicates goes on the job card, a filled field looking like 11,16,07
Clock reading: 9,41,39
